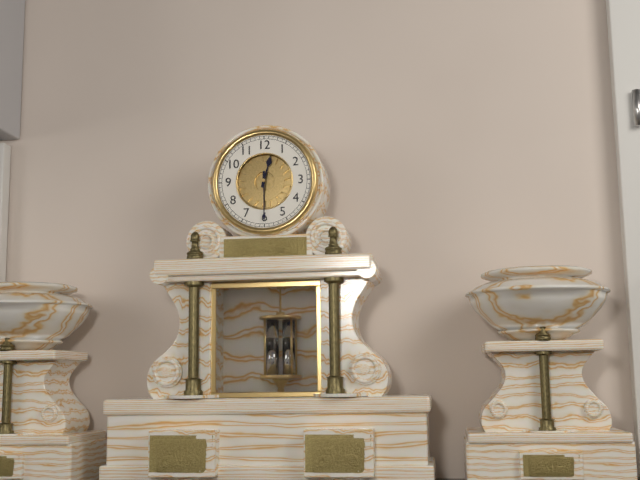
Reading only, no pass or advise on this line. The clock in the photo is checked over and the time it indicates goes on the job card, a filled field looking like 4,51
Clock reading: 12,30
